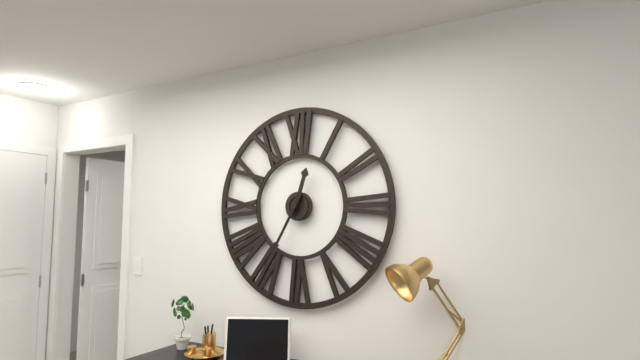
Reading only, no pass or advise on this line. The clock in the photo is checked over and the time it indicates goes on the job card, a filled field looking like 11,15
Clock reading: 12,35
